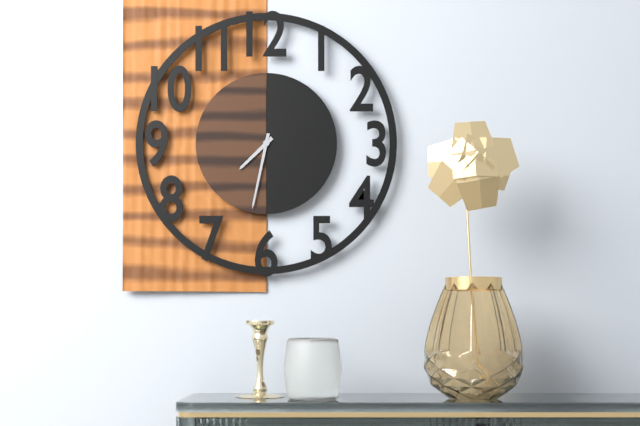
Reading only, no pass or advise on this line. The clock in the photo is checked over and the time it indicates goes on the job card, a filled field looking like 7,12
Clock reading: 7,32
